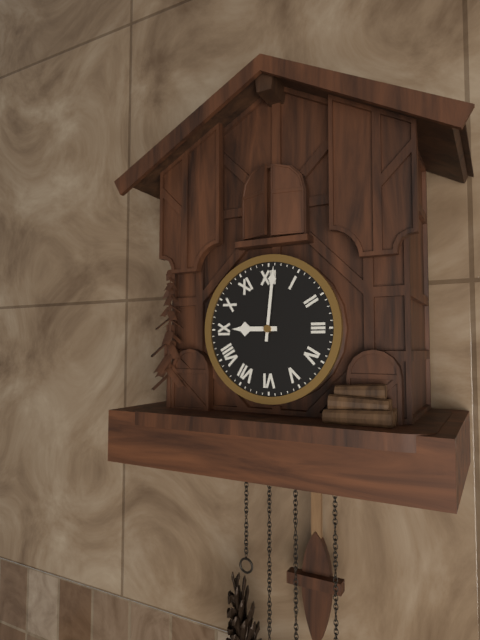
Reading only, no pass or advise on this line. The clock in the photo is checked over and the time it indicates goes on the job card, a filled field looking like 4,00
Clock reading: 9,01
